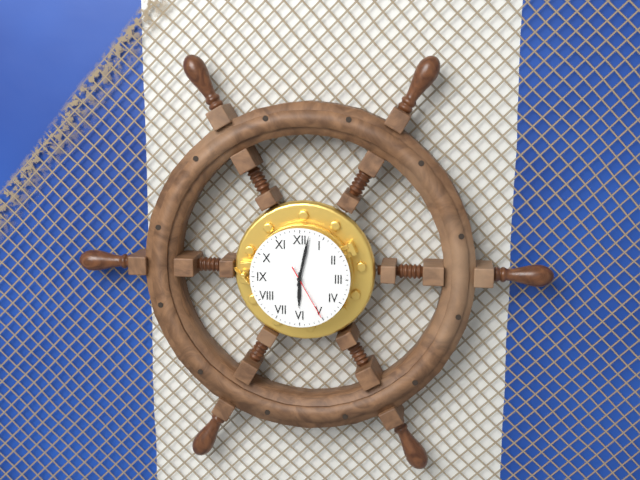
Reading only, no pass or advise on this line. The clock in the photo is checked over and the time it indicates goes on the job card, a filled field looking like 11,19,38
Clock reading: 6,02,25
